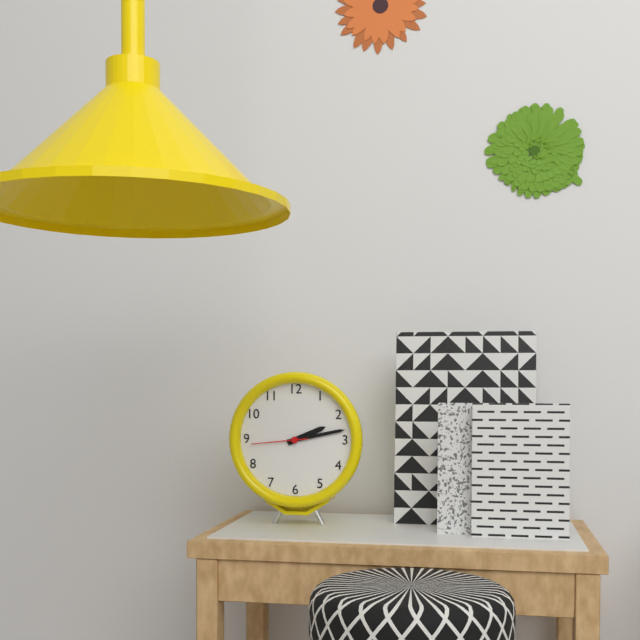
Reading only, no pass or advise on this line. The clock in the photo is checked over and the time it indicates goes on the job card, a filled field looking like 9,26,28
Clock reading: 2,13,44
